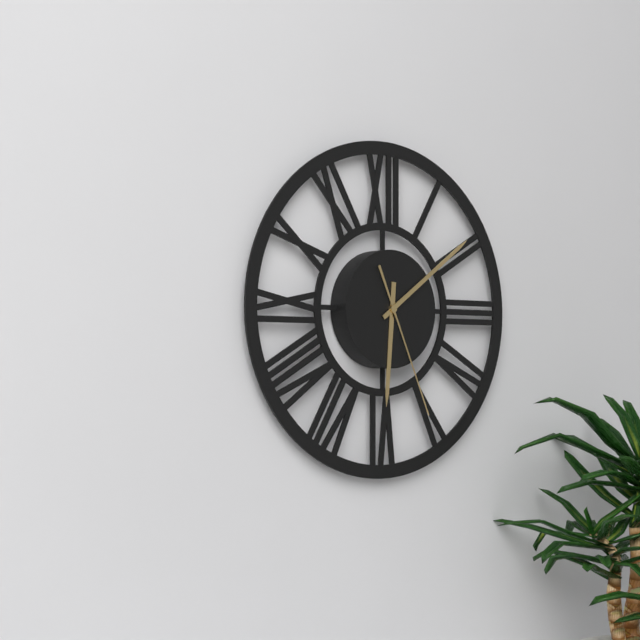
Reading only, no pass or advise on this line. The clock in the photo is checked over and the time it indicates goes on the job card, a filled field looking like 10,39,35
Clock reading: 6,09,26
